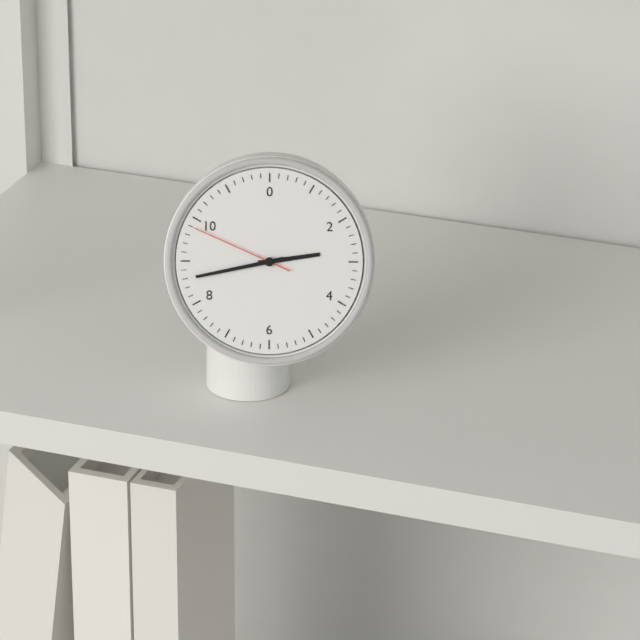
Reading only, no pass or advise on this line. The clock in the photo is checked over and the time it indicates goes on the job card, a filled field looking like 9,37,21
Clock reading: 2,43,49
